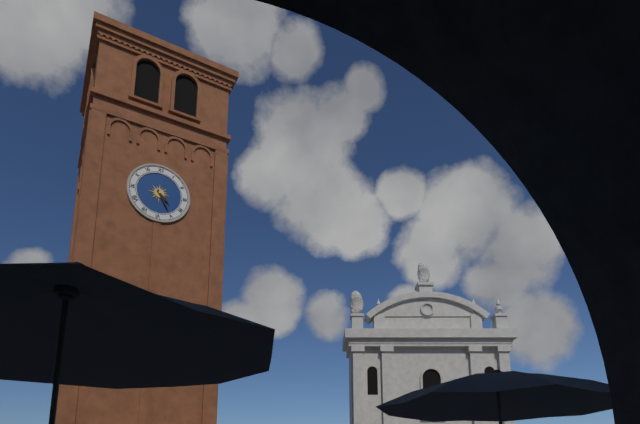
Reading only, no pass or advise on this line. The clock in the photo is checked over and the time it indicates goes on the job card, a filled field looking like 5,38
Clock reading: 4,25
